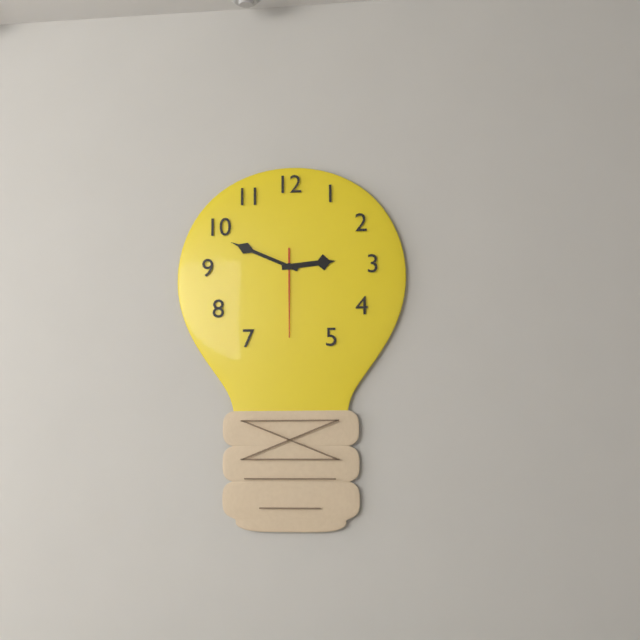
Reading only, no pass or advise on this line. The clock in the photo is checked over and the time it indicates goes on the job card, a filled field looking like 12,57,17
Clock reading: 2,49,30
